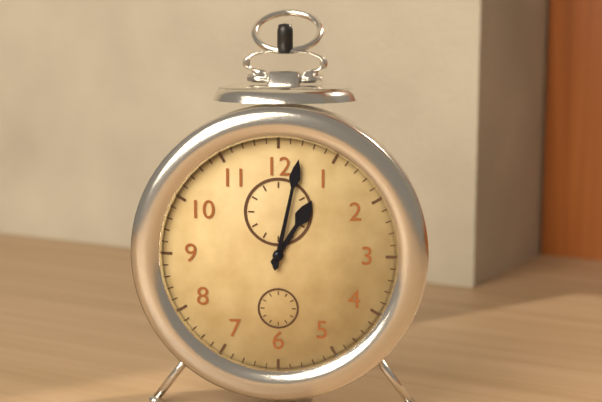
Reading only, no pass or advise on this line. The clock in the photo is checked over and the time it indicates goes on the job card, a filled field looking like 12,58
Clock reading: 1,02
